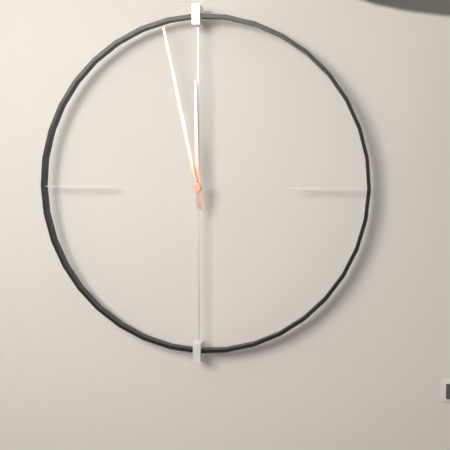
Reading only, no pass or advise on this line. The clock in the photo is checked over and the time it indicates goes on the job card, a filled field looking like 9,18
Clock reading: 11,58
